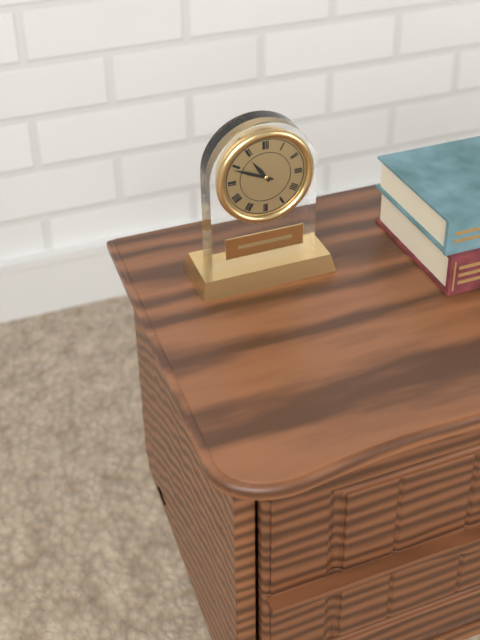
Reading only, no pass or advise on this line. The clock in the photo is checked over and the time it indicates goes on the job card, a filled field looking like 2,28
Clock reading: 10,49
